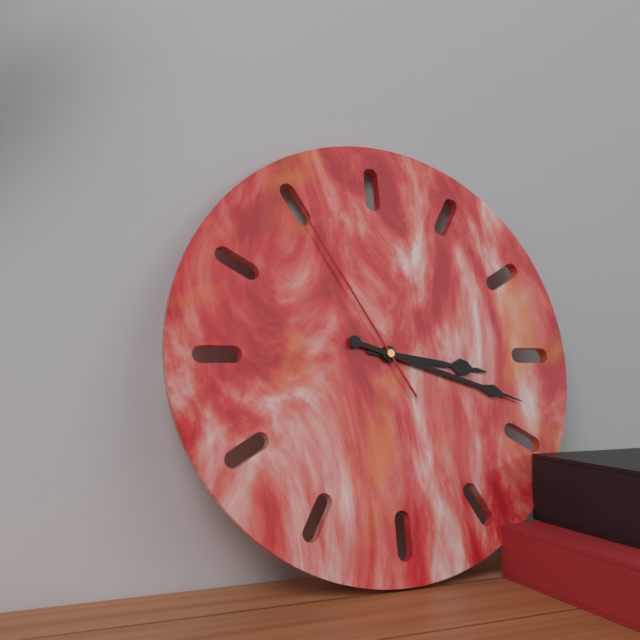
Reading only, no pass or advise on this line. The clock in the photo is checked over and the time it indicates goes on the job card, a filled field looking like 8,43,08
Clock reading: 3,18,55
